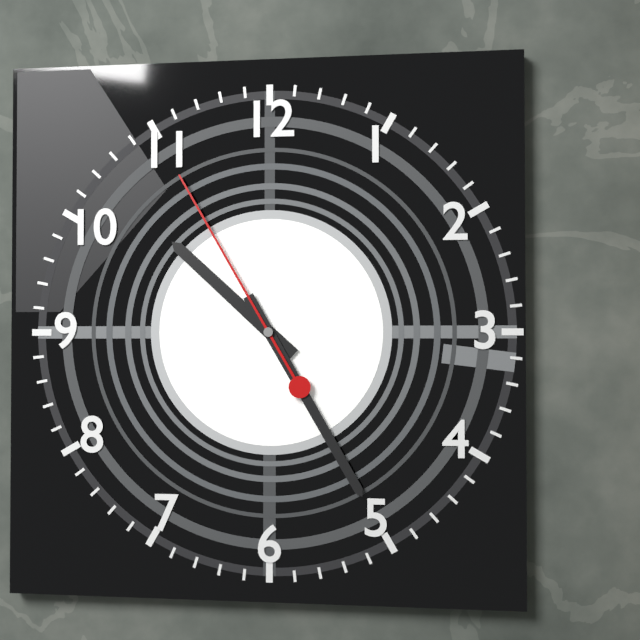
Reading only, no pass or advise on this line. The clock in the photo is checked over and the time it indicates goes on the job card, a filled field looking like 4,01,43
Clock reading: 10,25,55
